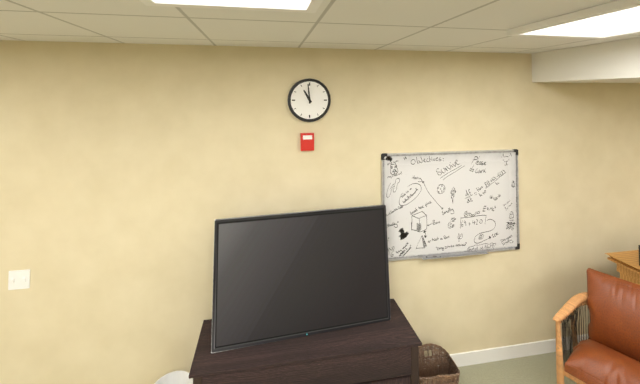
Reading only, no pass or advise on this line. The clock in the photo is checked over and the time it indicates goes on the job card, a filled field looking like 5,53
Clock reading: 10,59
